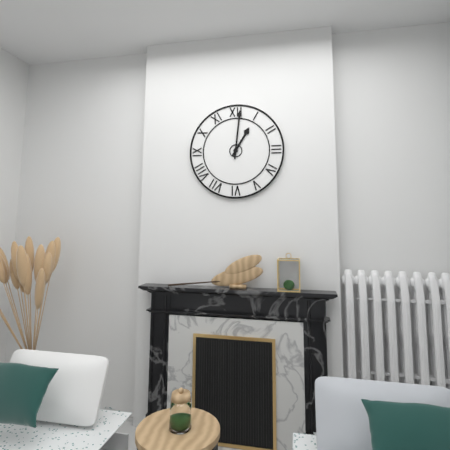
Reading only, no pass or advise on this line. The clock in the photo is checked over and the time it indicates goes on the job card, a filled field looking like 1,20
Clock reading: 1,01
